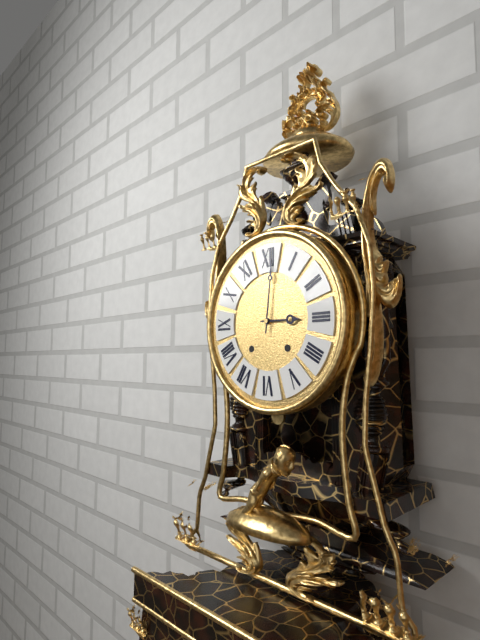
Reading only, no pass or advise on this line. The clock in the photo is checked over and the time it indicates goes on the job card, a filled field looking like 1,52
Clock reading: 3,01
